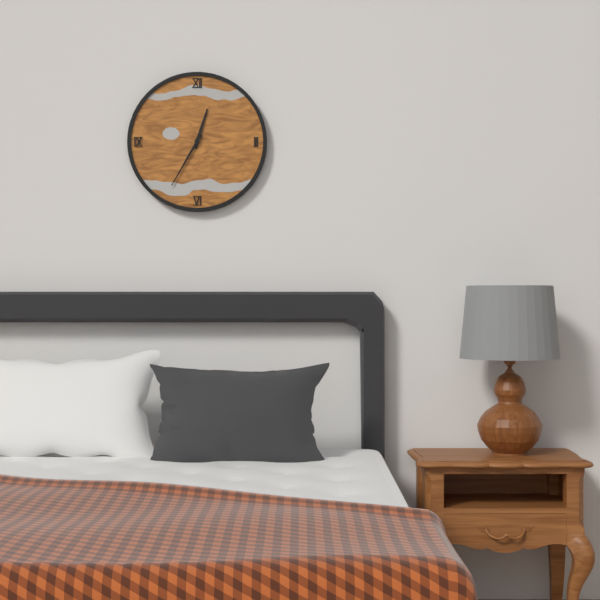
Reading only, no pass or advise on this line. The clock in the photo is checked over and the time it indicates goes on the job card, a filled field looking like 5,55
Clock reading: 12,35
